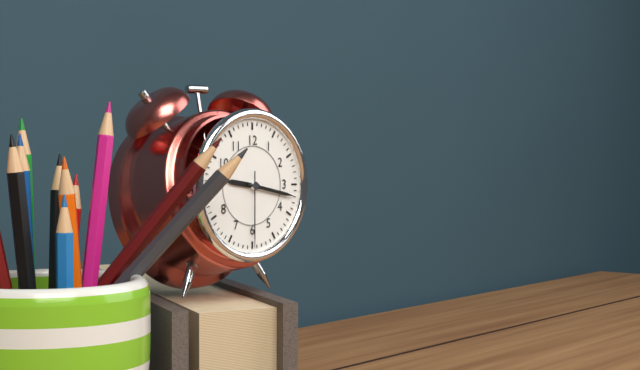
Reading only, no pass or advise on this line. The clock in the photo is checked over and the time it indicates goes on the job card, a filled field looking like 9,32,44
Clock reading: 9,17,30
